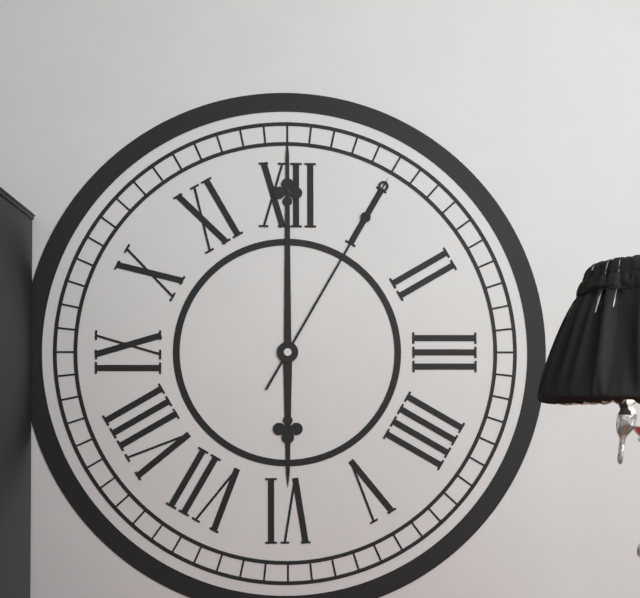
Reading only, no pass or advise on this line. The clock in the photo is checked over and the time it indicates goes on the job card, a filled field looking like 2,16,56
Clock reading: 6,00,05
